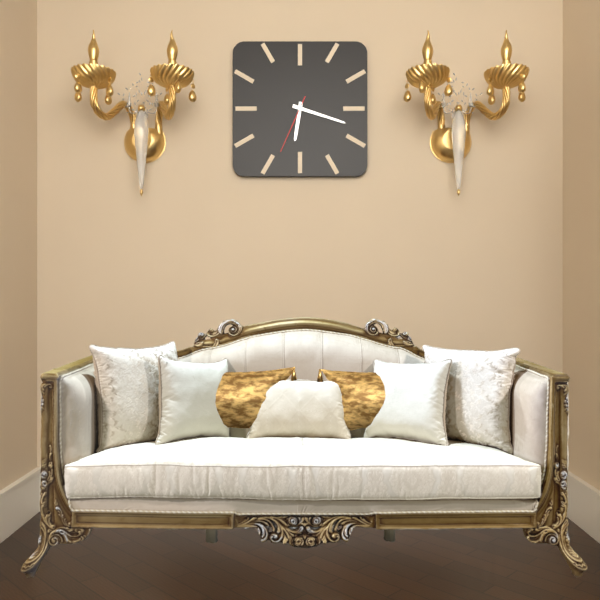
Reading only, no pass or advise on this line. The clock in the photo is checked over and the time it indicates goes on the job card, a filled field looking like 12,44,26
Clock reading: 6,18,34
